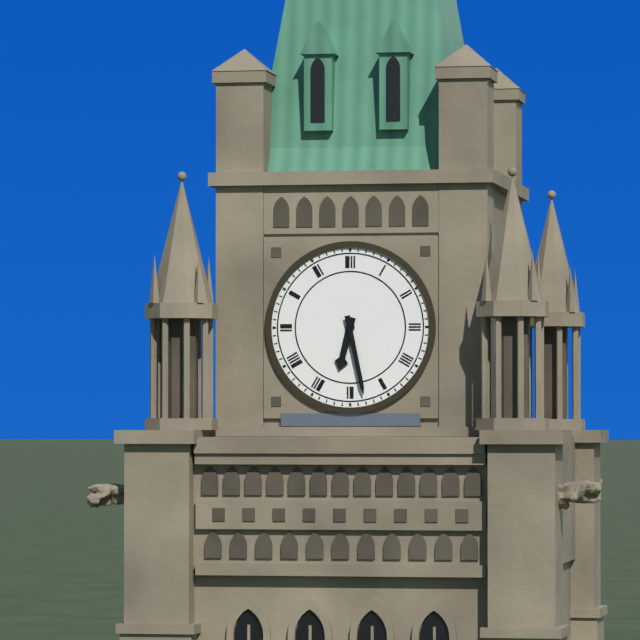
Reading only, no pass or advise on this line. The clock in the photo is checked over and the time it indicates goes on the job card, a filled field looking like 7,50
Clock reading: 6,28
